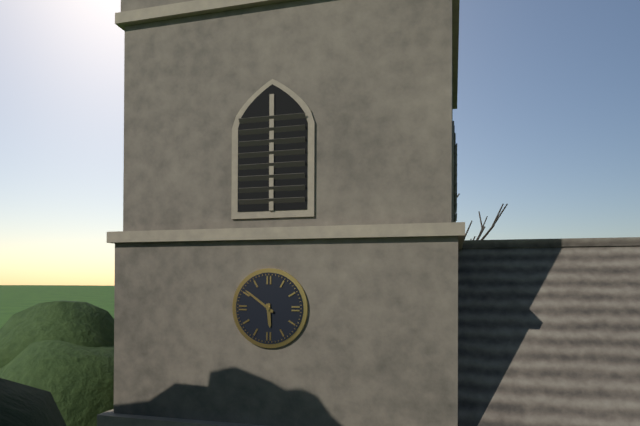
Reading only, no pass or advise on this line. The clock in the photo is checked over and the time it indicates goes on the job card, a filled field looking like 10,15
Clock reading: 5,51
